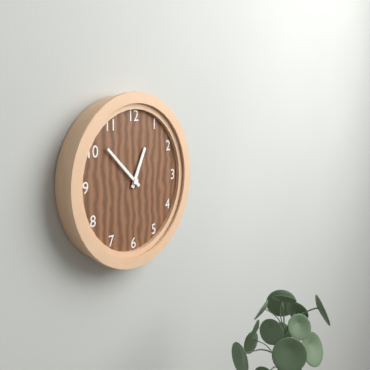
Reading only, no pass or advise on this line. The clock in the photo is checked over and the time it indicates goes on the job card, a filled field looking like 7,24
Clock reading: 12,52
